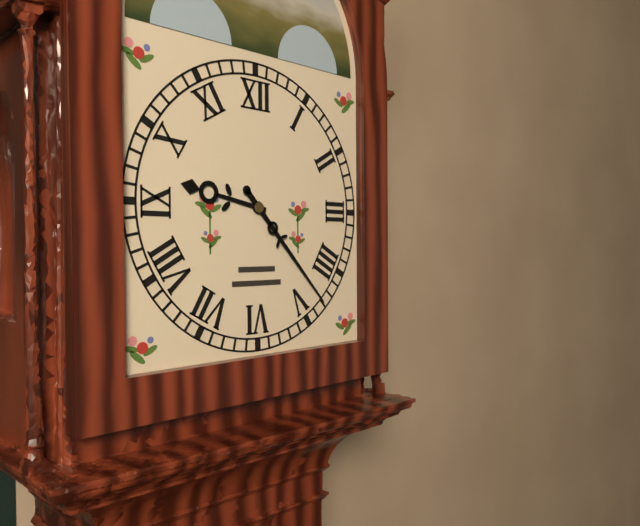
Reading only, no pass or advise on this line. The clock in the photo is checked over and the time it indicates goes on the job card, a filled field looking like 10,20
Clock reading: 9,23
